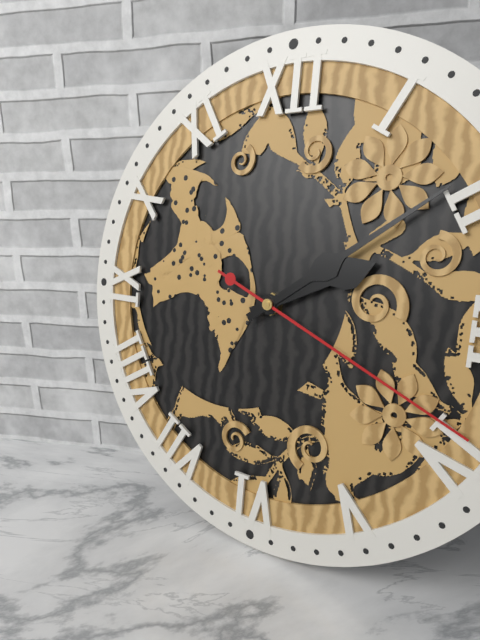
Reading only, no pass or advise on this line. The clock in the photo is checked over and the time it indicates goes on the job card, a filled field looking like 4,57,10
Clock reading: 2,09,19
